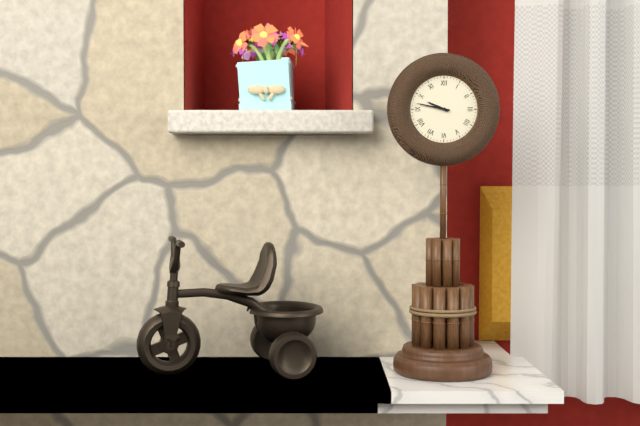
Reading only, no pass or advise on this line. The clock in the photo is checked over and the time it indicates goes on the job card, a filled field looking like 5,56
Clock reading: 9,47
